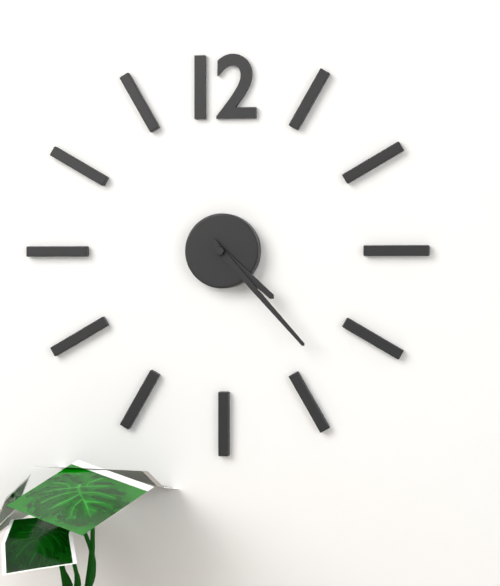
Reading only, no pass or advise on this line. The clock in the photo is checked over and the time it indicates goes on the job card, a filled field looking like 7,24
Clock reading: 4,23
